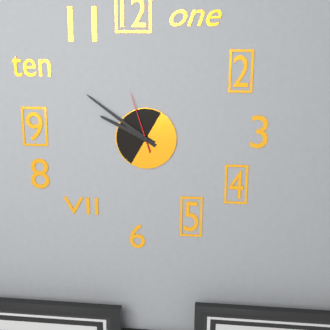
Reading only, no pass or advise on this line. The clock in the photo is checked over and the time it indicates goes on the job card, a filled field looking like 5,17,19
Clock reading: 9,51,57
